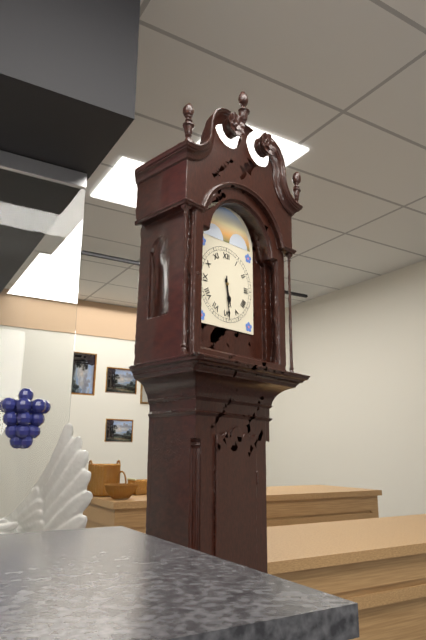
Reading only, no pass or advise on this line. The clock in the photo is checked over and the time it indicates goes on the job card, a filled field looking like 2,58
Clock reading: 5,29
